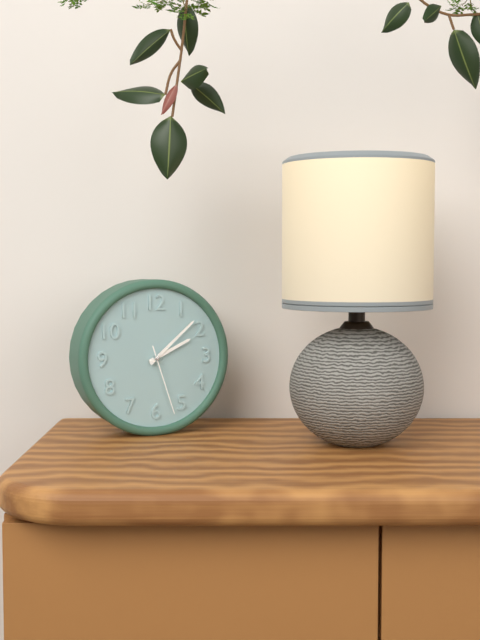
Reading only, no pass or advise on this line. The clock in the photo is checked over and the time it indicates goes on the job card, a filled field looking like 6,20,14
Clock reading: 2,08,27
